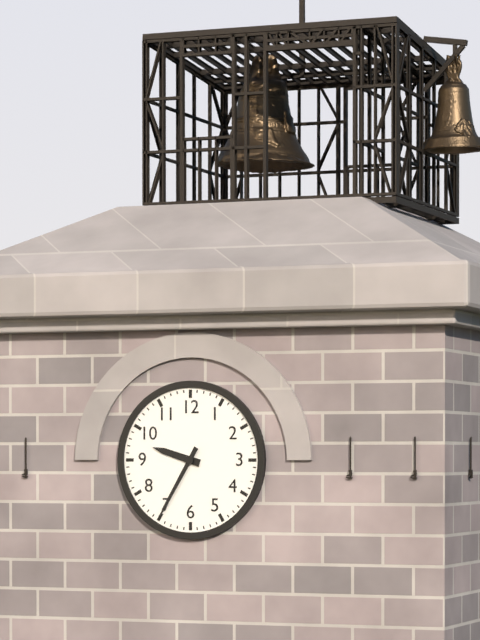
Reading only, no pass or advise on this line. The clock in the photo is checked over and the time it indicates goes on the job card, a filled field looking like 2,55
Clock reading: 9,35
